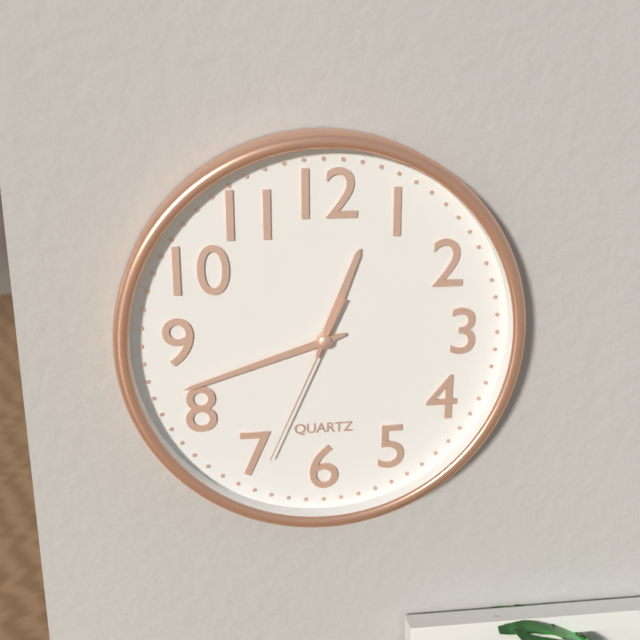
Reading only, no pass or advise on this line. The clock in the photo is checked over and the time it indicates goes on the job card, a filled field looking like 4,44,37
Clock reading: 12,42,34
